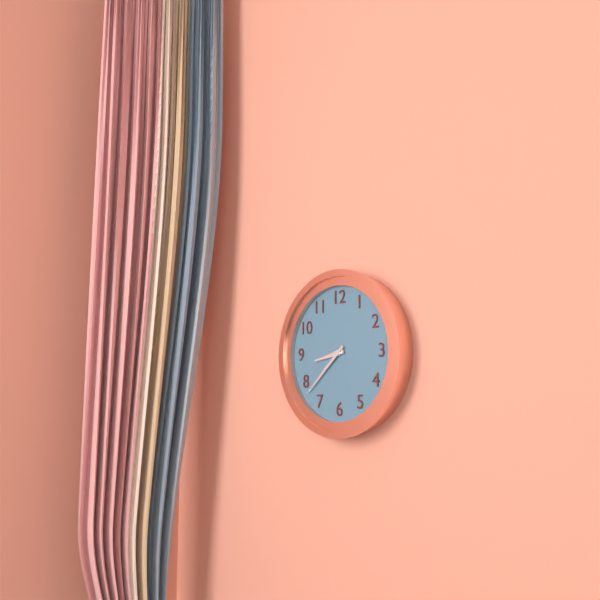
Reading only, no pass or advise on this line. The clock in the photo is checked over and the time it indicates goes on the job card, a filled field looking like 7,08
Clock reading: 8,38
